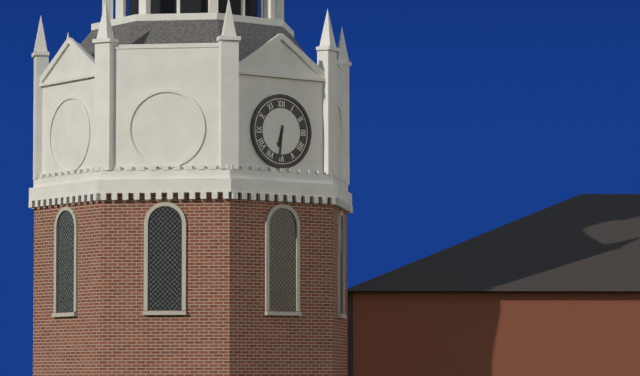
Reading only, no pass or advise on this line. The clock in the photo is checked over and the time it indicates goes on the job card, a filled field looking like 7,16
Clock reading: 6,31
